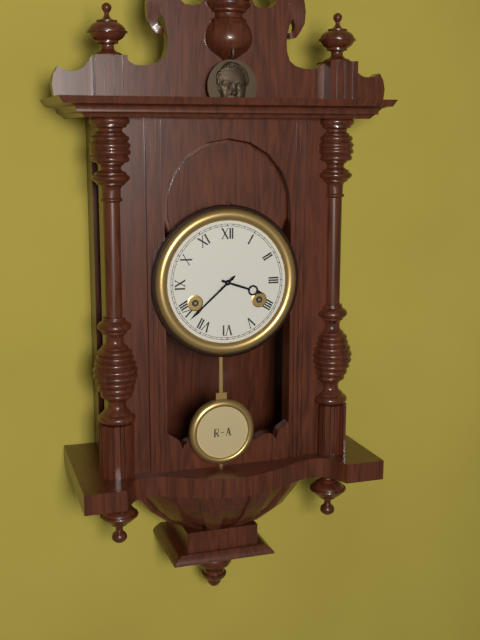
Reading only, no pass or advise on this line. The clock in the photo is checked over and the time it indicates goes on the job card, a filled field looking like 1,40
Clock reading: 3,38
